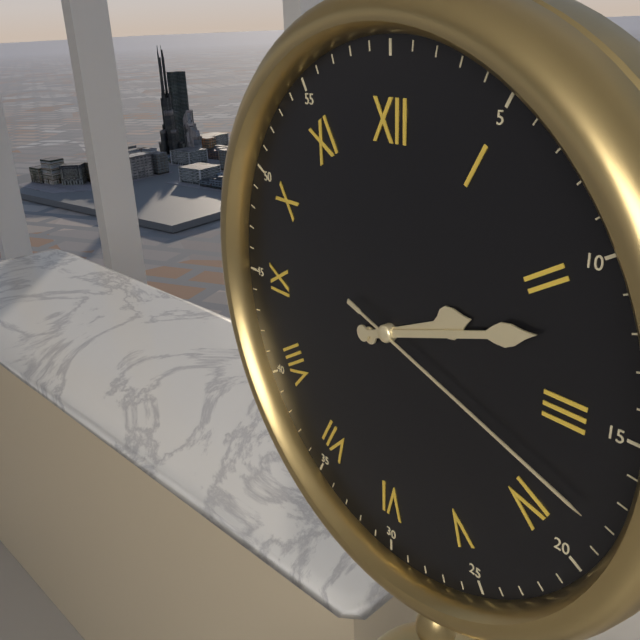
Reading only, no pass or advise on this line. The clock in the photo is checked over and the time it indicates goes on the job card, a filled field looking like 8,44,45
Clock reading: 2,12,18
